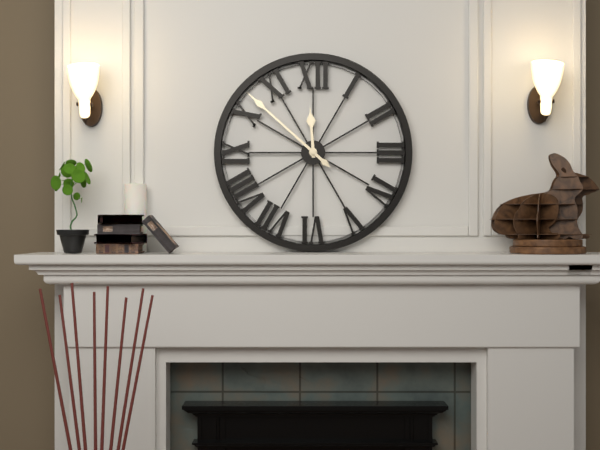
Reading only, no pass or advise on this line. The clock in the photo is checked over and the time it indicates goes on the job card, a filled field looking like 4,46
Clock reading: 11,52
